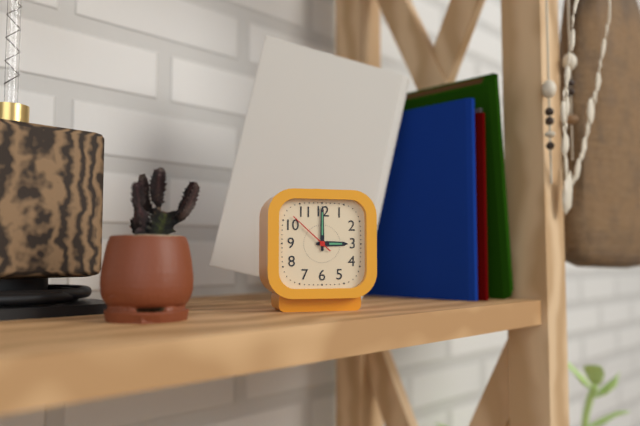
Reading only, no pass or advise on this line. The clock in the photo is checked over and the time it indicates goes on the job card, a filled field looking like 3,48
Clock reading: 3,00
